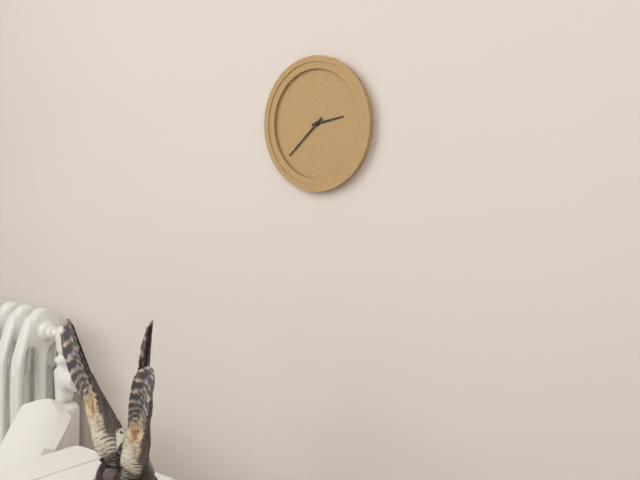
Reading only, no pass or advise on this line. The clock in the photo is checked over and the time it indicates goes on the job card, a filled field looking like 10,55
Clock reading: 2,38
